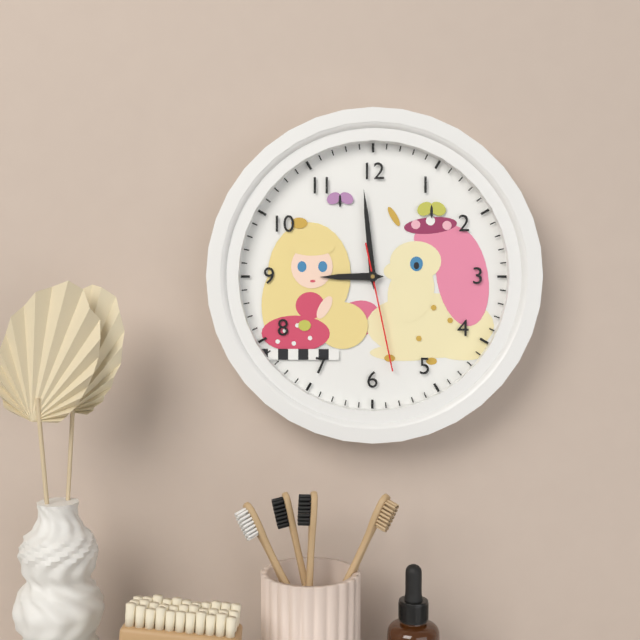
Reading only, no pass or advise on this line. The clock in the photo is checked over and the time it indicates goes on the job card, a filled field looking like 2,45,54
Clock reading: 8,59,28
